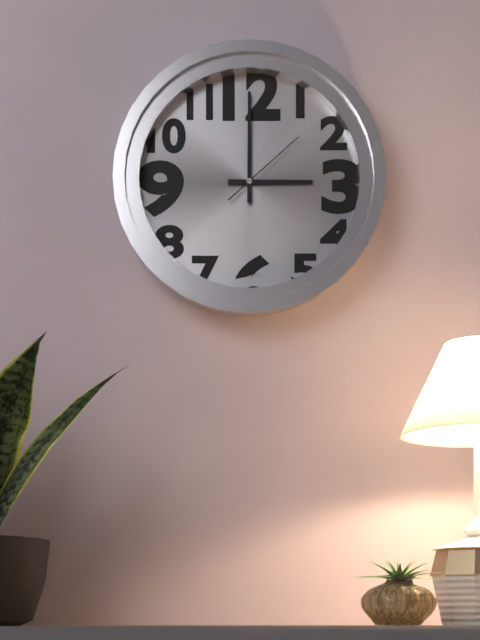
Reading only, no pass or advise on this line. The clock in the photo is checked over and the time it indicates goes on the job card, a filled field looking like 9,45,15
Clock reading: 3,00,08
